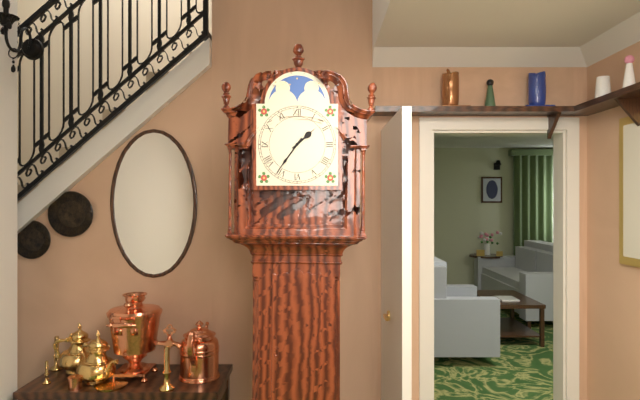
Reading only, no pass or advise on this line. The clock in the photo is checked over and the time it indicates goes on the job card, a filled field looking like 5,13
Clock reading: 1,36
